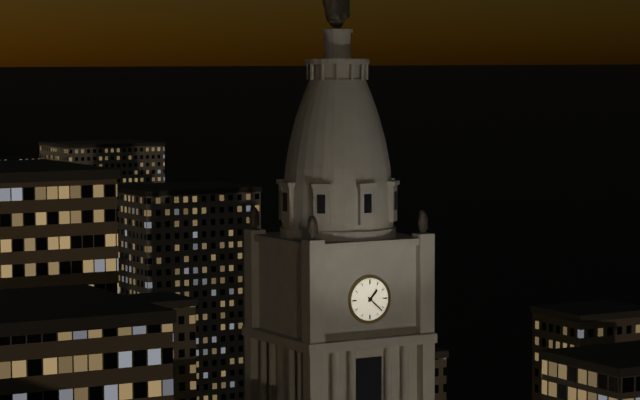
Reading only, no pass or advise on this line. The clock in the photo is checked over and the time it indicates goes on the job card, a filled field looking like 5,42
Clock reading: 1,22
